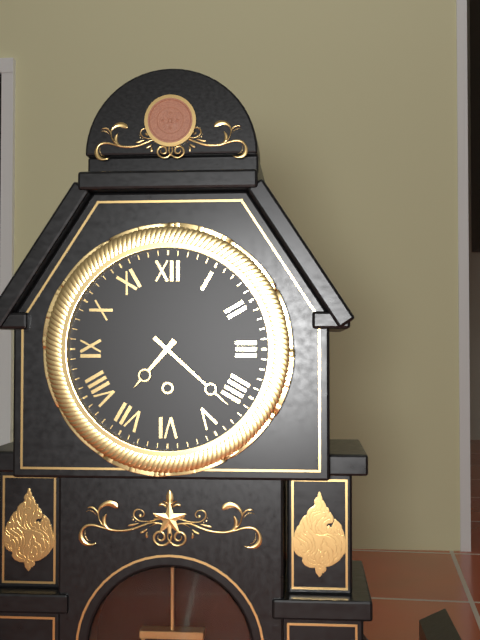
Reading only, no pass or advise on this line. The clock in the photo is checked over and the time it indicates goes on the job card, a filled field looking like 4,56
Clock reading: 7,22
